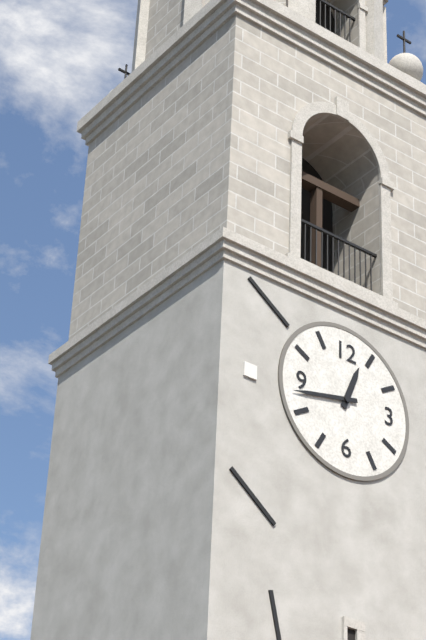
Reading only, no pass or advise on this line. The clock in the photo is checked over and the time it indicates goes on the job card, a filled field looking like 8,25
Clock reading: 12,43
